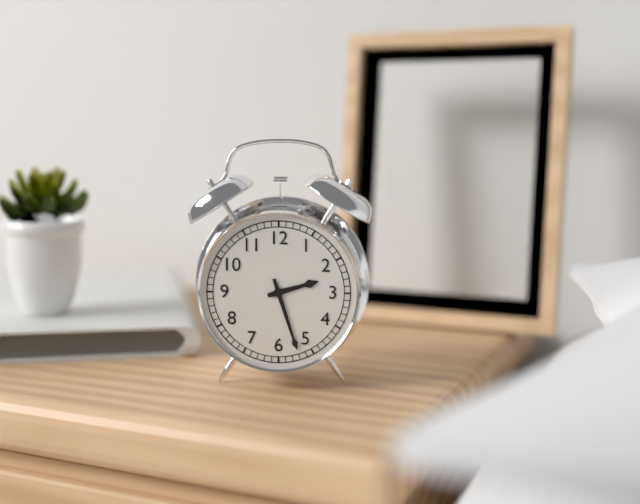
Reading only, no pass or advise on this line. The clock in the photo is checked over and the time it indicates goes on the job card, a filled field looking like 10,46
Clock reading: 2,27
